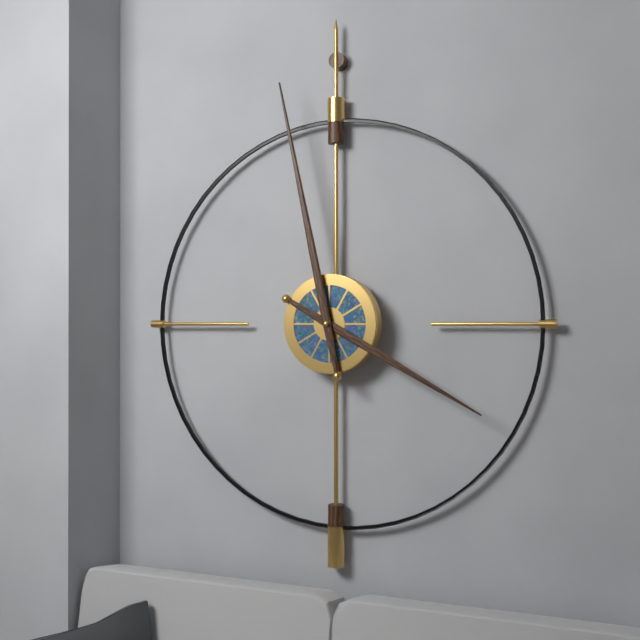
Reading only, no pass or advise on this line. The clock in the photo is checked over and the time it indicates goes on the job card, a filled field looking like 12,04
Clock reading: 3,58
